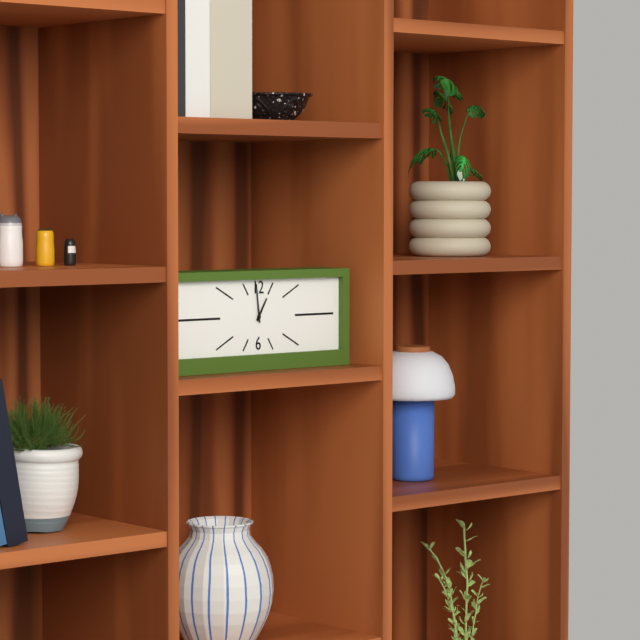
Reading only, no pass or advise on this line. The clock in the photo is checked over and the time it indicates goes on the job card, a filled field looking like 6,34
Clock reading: 12,59
